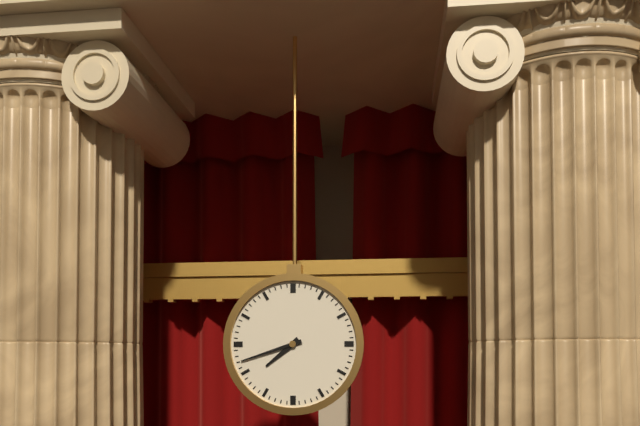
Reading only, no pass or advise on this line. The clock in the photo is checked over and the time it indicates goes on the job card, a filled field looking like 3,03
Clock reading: 7,42
